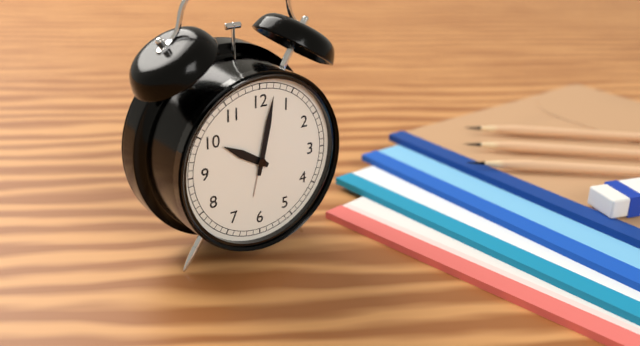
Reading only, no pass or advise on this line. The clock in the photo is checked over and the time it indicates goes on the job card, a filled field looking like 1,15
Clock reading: 10,02
